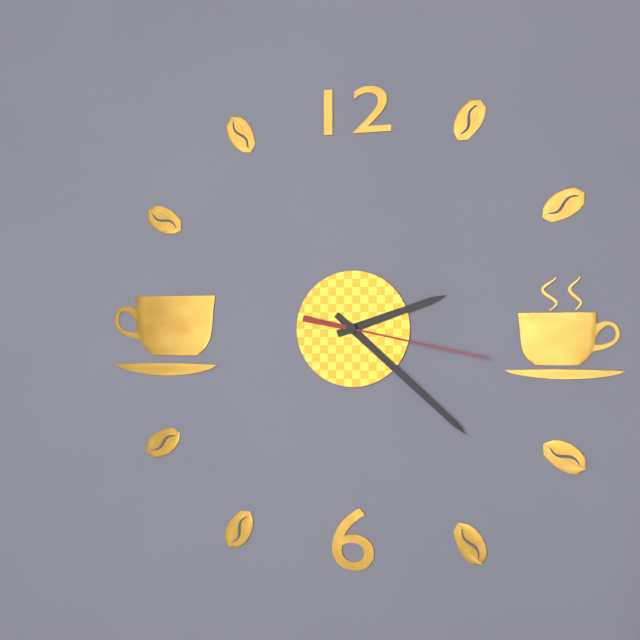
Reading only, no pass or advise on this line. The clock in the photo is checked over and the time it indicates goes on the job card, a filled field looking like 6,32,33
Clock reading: 2,22,17
